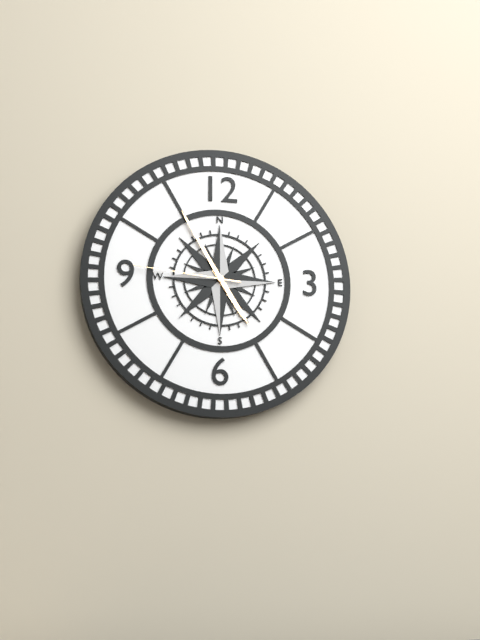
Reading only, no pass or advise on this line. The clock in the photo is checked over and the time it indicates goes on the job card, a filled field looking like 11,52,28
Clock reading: 4,55,46
